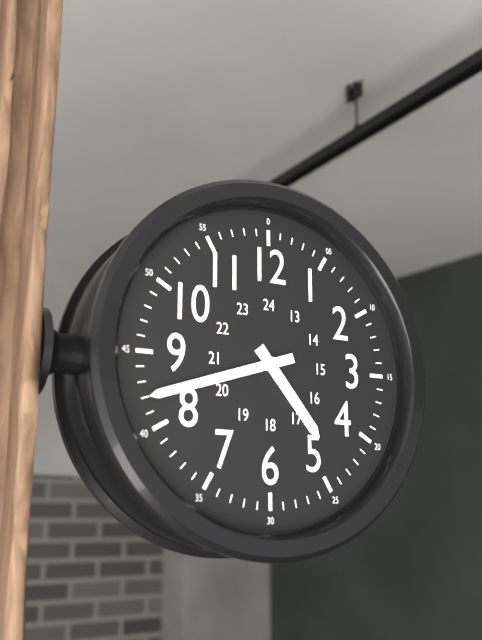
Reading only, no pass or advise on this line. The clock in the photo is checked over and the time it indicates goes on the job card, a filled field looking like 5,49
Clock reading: 4,42
